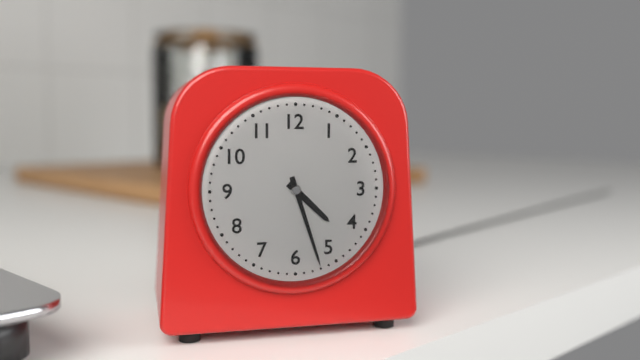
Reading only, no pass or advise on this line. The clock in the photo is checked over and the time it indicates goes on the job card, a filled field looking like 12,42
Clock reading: 4,27
